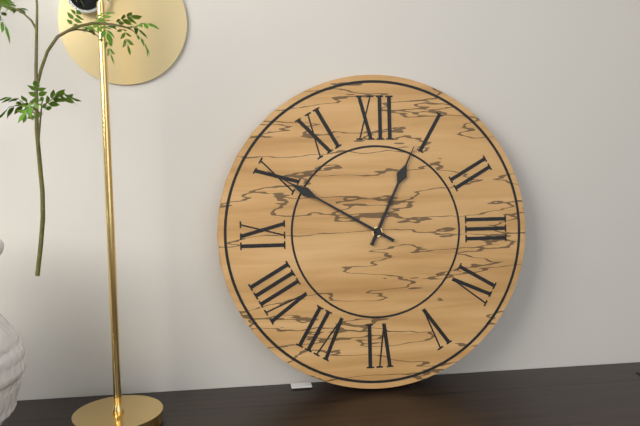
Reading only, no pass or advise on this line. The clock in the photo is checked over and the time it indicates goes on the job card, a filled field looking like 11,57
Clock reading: 12,50
